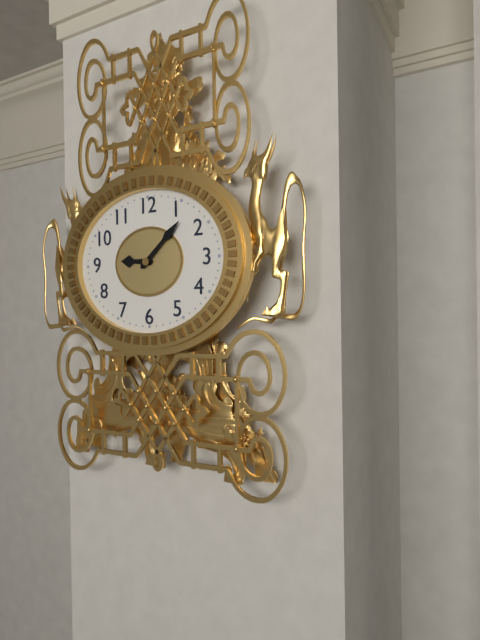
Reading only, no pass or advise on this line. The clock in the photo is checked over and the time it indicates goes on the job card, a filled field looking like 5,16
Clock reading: 9,08
